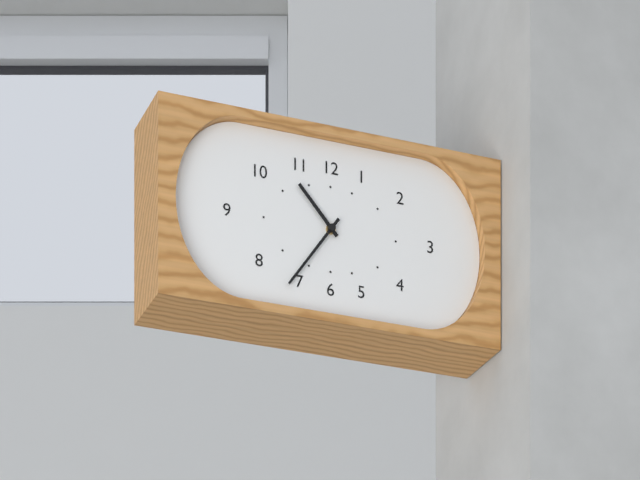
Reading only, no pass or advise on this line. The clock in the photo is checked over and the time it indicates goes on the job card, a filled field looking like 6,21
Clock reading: 10,36
